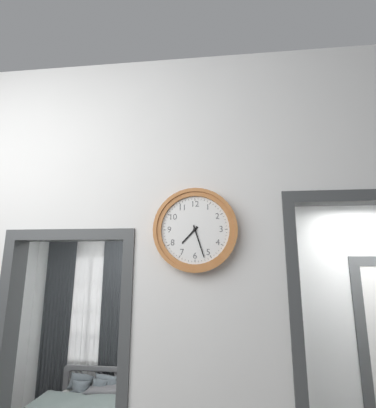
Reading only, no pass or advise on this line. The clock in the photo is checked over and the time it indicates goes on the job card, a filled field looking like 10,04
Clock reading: 7,27
